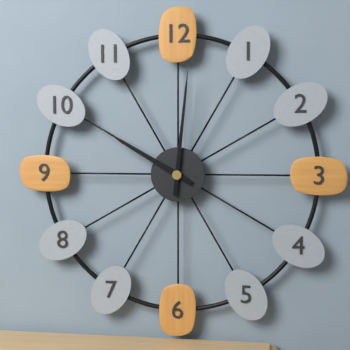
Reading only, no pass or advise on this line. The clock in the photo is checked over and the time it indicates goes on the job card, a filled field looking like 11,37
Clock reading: 10,01
